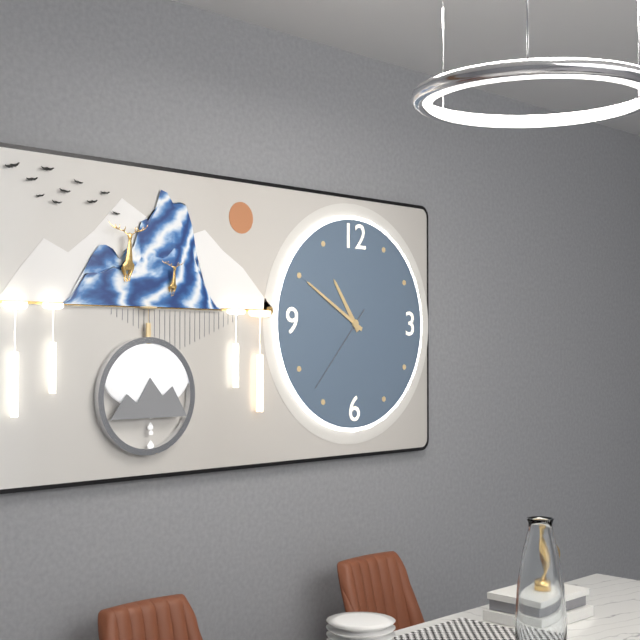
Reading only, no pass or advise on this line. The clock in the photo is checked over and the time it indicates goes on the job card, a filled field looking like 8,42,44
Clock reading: 10,50,37
